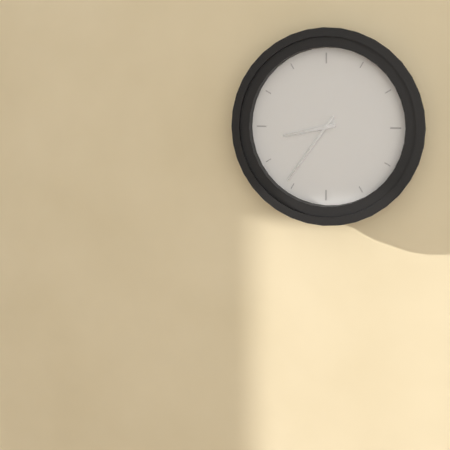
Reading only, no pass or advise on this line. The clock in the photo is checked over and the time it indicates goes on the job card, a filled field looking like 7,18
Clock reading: 8,36
